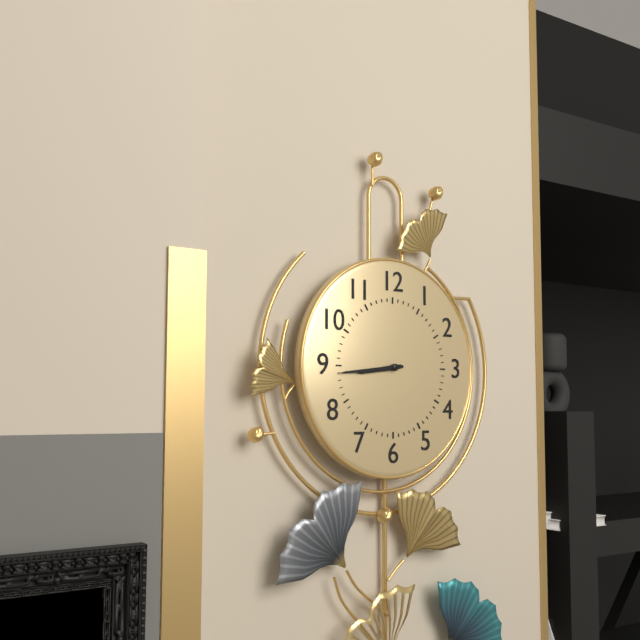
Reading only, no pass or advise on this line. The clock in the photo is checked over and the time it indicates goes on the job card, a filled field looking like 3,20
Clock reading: 8,44
